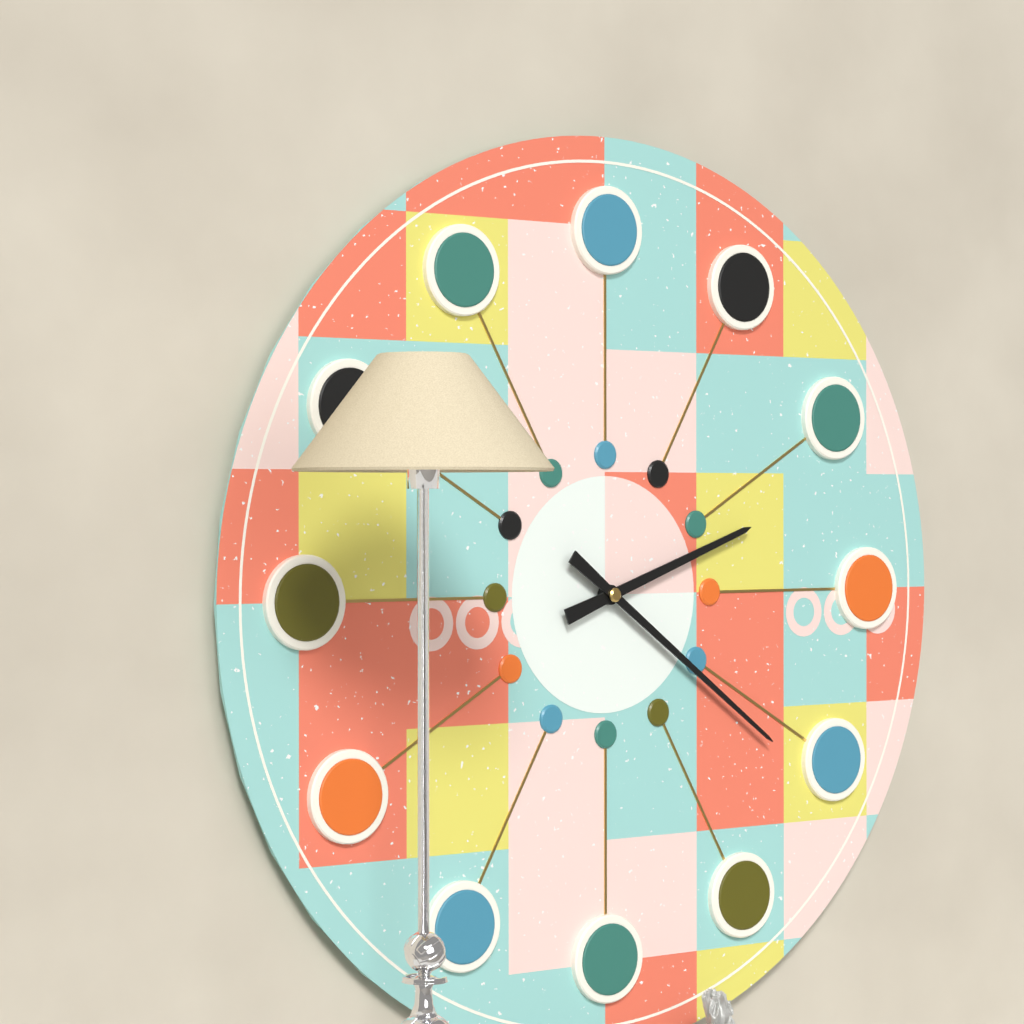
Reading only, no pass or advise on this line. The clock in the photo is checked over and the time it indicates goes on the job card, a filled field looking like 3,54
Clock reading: 2,21
